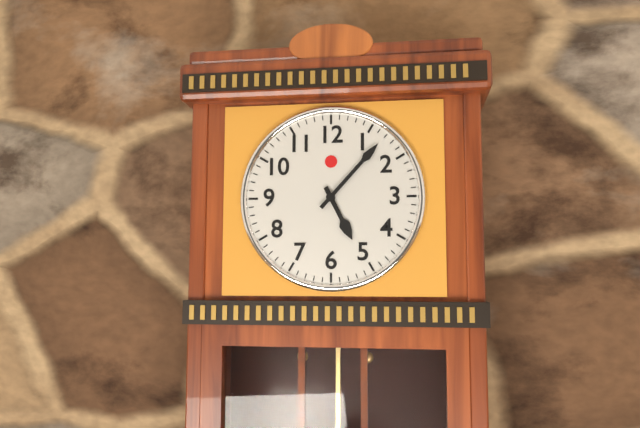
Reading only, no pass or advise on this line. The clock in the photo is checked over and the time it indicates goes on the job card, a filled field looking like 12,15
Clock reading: 5,07
